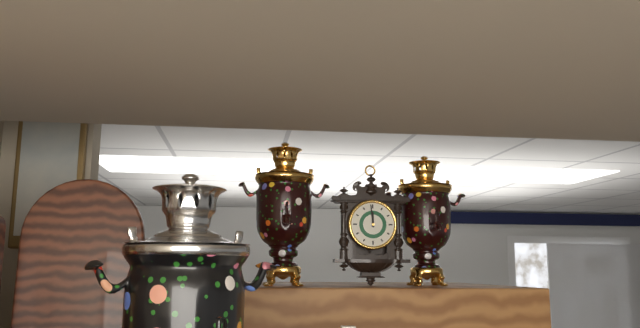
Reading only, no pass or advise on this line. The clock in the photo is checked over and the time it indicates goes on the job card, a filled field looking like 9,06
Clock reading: 11,59
